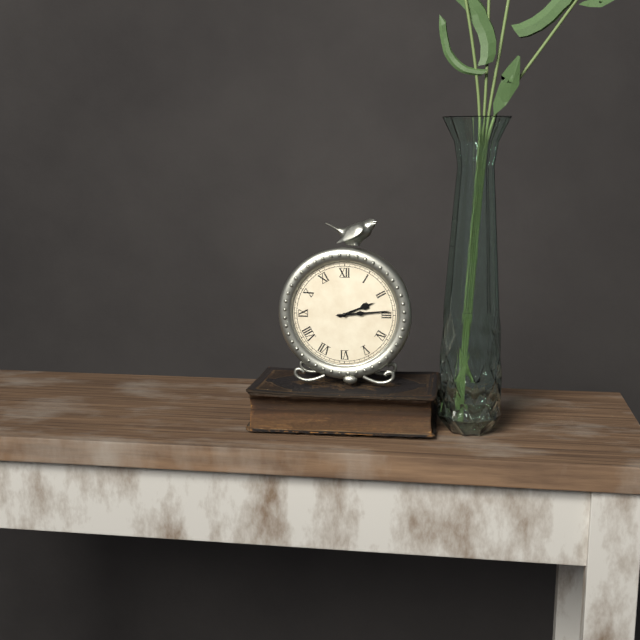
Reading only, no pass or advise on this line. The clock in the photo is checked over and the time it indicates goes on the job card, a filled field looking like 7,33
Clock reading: 2,14
